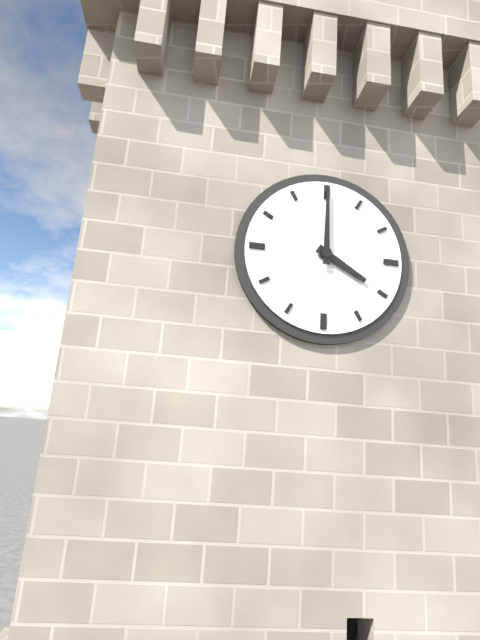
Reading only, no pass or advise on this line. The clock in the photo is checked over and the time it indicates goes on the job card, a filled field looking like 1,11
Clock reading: 4,00
